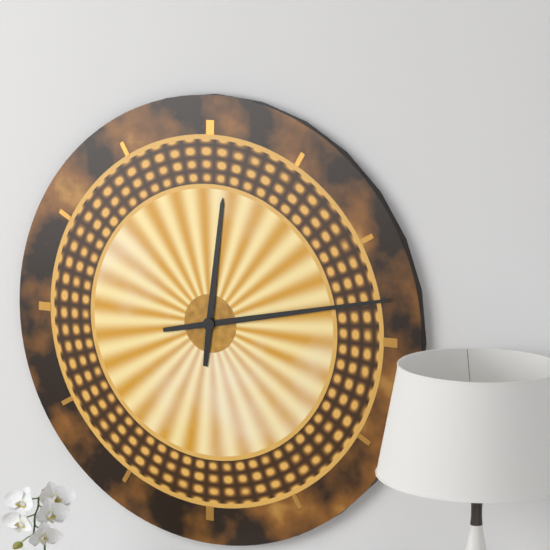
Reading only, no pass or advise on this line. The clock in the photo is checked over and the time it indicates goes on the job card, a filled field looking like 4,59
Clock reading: 12,13
